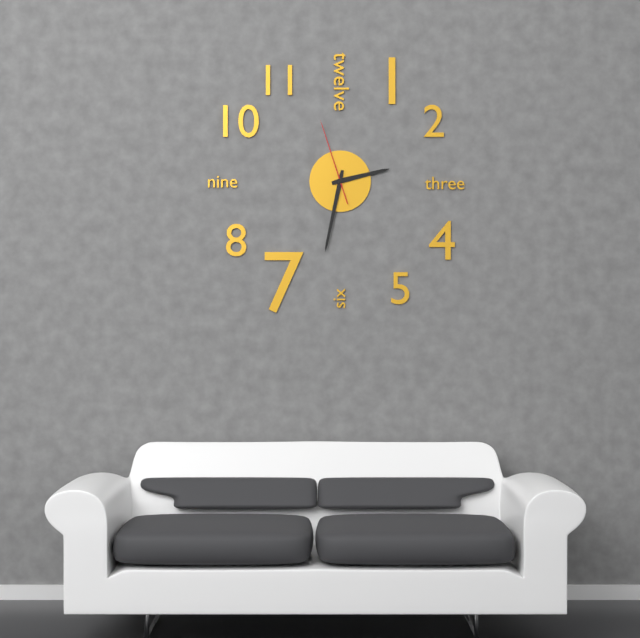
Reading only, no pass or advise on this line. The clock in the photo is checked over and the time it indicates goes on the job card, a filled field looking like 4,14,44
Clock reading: 2,32,57
